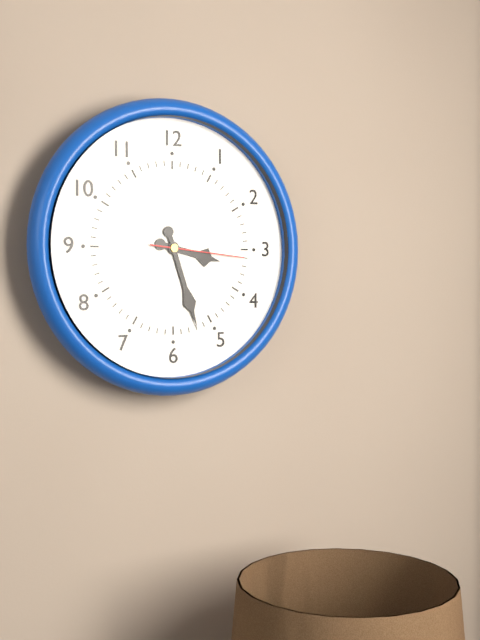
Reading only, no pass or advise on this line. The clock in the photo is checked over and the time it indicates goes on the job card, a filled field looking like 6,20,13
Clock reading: 3,27,16
